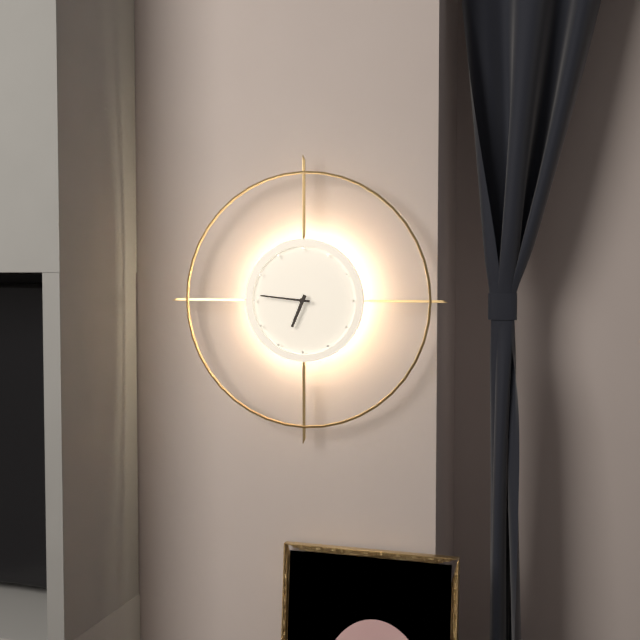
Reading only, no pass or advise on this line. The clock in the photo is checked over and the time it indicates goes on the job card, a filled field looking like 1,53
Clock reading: 6,46
